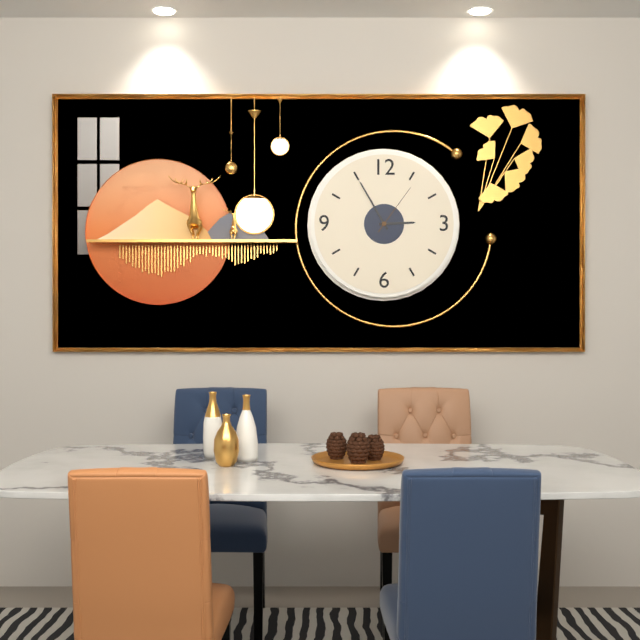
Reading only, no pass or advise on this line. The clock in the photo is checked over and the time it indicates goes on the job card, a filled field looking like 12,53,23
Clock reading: 2,55,06
